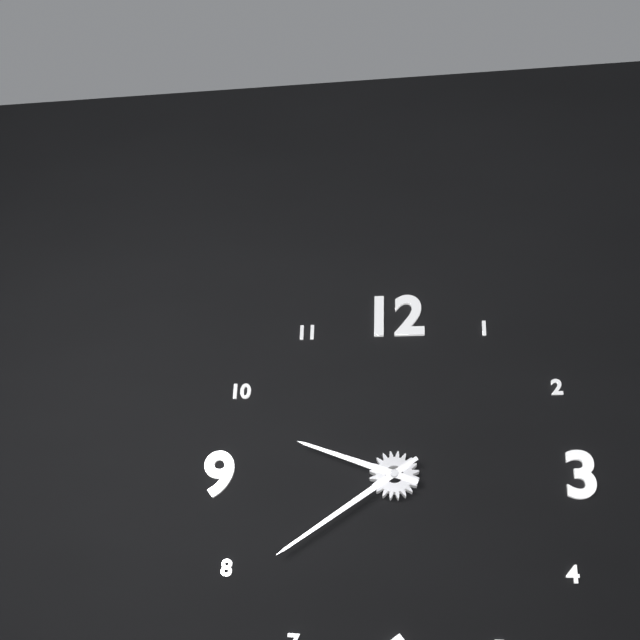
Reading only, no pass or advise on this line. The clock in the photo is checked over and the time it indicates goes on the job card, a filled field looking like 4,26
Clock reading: 9,39
